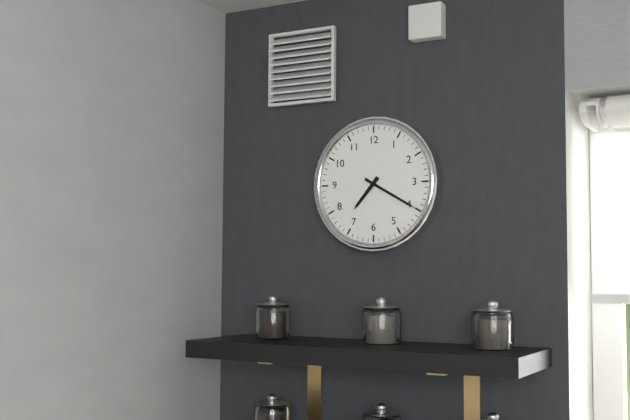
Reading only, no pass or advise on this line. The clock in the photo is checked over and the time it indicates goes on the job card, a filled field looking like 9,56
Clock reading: 7,20
